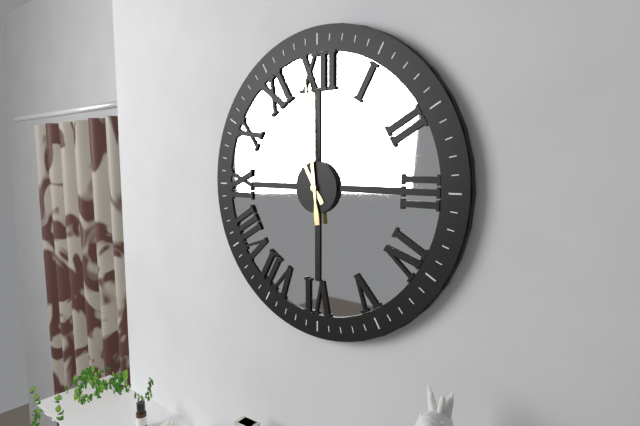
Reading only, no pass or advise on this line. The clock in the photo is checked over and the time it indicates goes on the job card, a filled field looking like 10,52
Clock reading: 10,59
